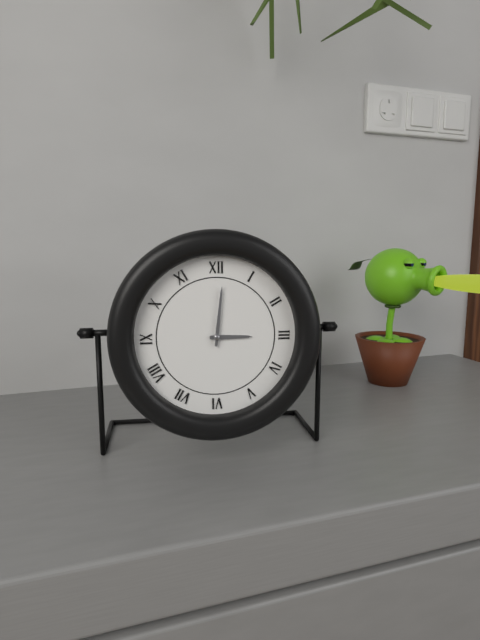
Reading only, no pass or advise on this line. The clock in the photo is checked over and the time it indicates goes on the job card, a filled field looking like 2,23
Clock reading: 3,01
